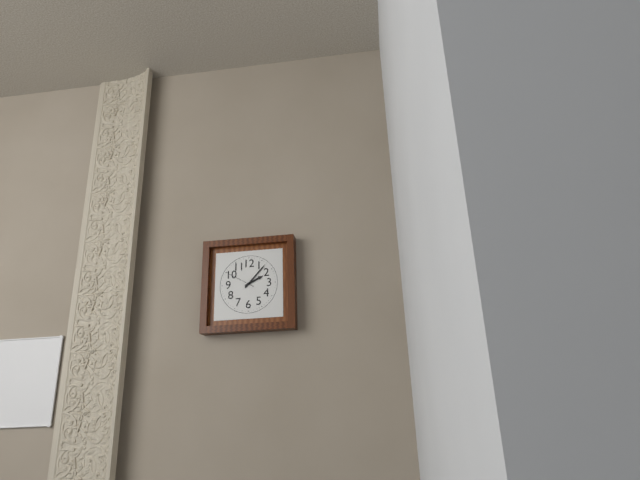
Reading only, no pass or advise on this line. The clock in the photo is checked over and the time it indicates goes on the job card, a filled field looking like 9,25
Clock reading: 2,07
